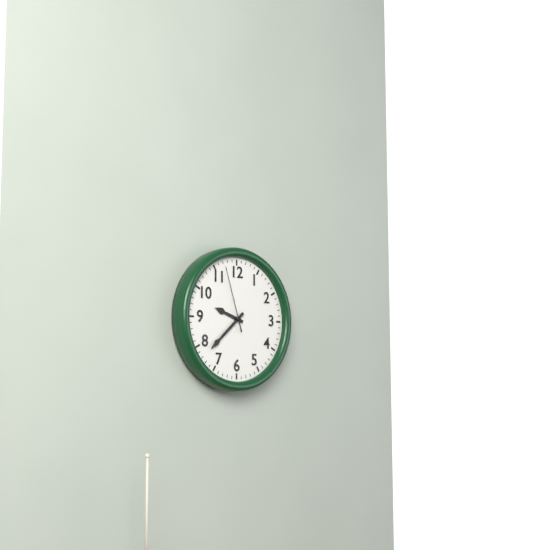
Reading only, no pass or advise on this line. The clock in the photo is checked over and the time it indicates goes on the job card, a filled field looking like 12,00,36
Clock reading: 9,38,57
